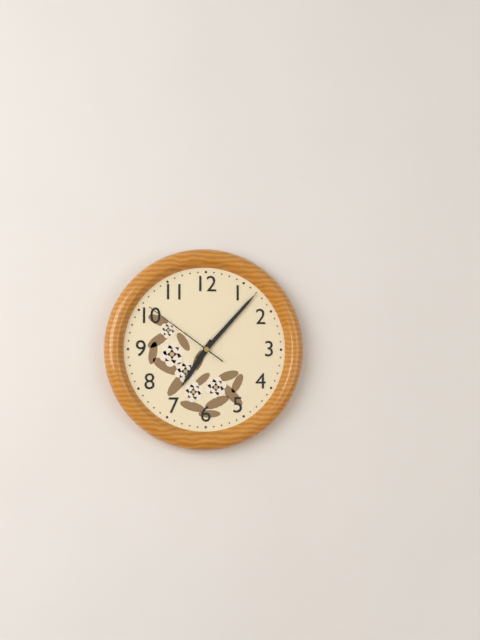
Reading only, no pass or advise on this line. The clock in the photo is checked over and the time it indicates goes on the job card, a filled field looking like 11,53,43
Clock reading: 7,07,51
